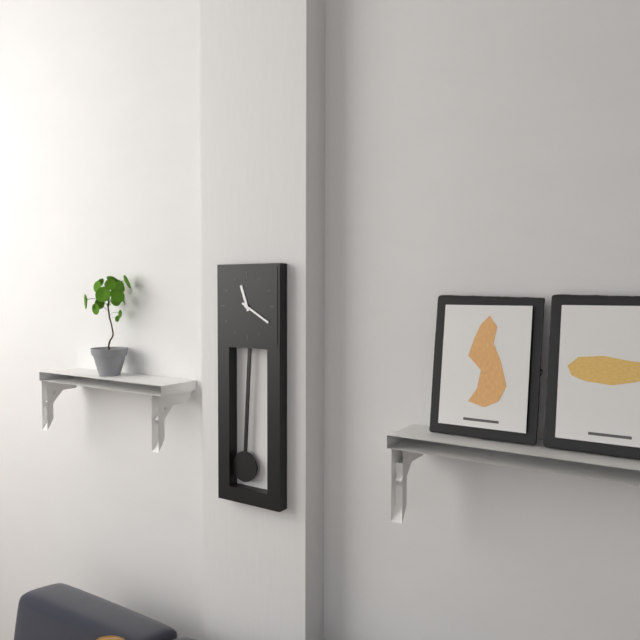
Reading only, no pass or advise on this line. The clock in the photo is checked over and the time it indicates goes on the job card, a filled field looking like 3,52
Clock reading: 11,20
